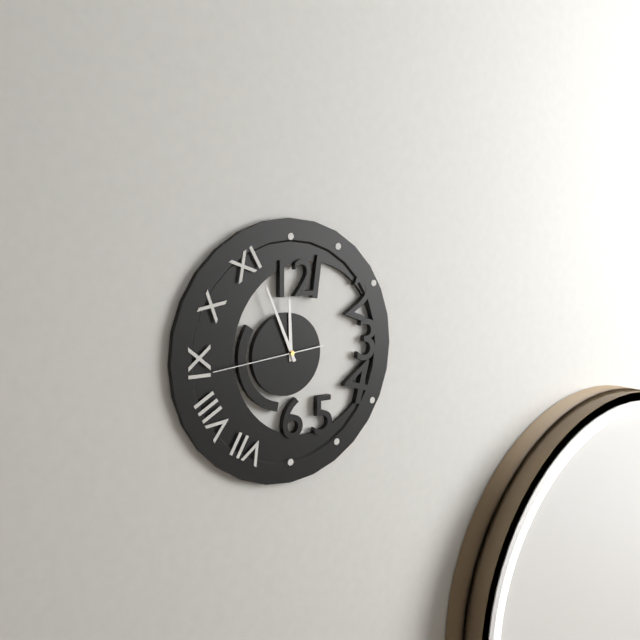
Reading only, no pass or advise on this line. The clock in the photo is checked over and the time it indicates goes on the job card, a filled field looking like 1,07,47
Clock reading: 11,56,44
